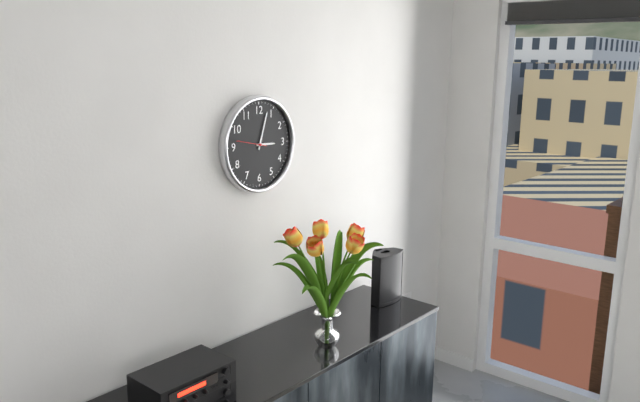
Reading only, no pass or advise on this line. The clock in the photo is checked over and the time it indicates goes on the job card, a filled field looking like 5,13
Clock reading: 3,03
